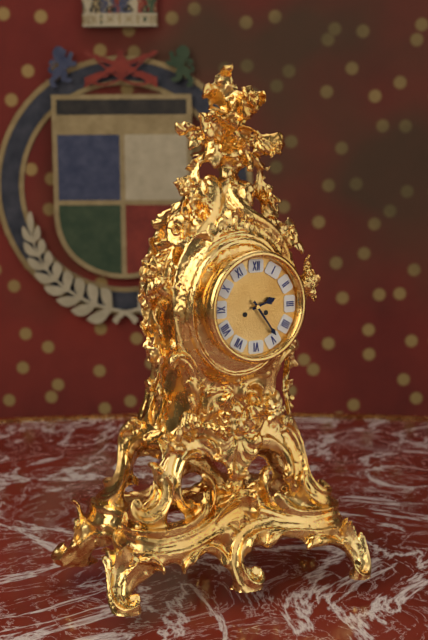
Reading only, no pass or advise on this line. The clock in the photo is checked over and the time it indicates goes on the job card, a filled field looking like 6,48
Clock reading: 2,24
